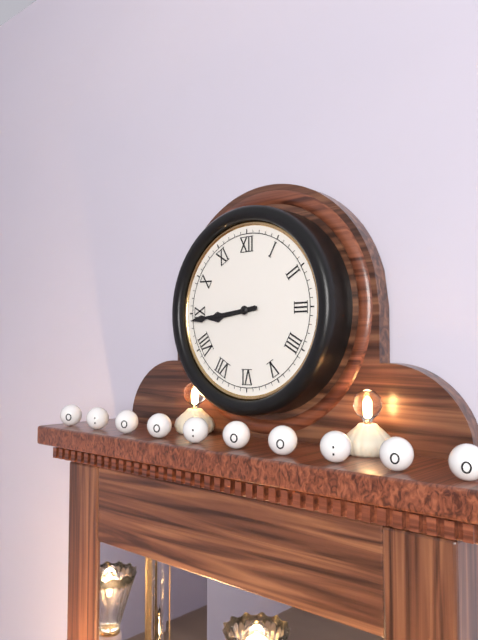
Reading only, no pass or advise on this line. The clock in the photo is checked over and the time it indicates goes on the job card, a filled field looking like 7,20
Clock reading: 8,44
